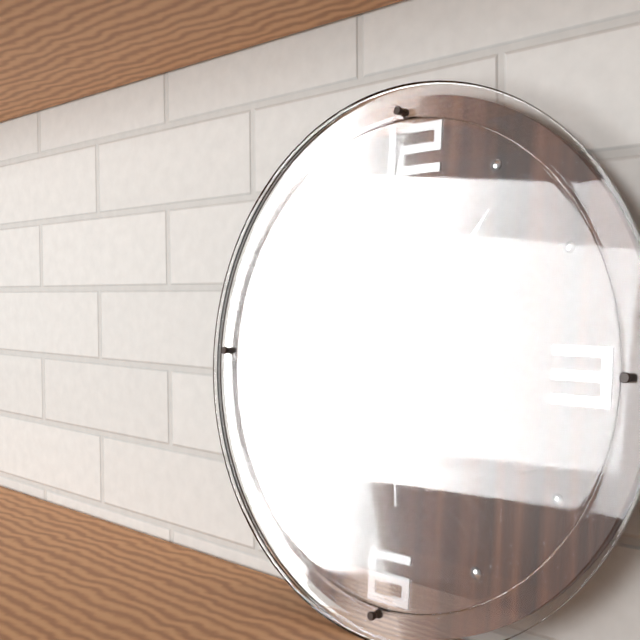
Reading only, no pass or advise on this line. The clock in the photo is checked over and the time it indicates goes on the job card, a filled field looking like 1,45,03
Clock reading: 10,06,29
